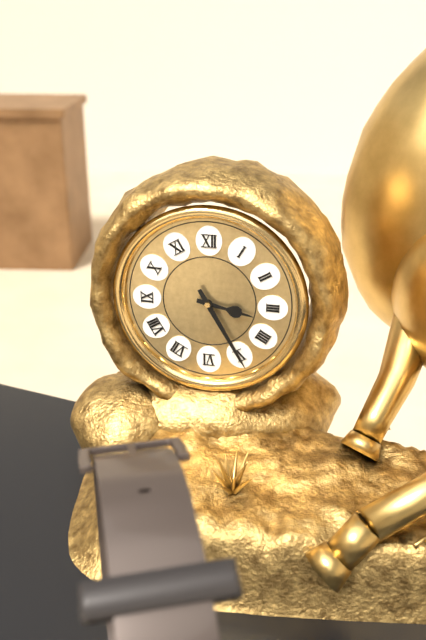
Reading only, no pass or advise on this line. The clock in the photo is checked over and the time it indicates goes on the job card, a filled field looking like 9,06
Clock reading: 3,25
